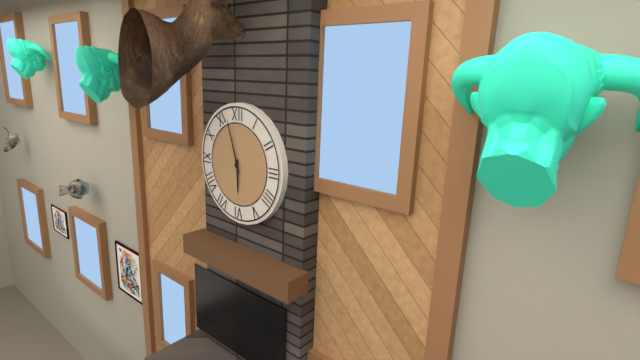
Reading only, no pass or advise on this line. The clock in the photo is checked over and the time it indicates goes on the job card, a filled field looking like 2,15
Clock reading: 5,57
